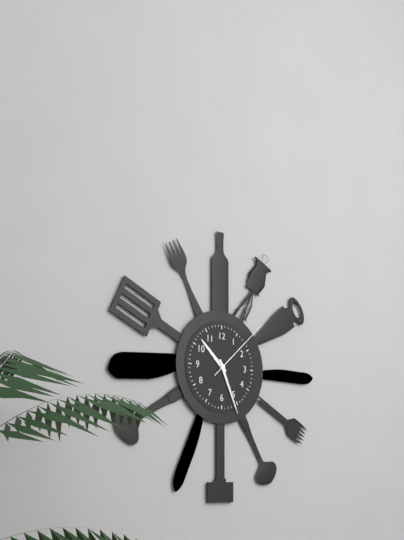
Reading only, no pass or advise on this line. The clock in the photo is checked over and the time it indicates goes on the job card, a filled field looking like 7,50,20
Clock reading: 10,26,08
